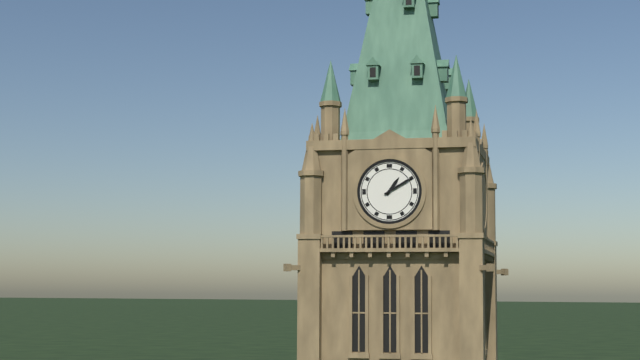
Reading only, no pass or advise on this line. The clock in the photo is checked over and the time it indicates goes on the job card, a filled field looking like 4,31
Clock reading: 1,10
